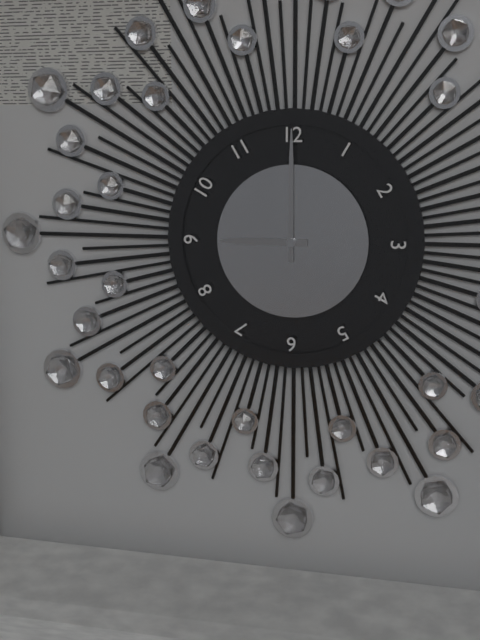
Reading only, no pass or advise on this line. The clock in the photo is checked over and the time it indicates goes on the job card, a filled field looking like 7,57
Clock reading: 9,00
